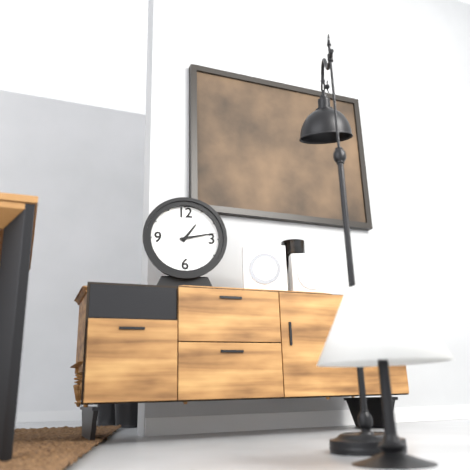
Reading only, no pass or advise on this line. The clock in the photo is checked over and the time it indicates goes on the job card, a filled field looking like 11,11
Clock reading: 1,13
